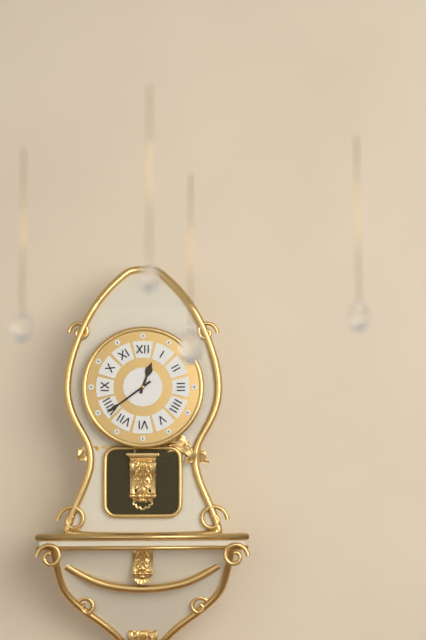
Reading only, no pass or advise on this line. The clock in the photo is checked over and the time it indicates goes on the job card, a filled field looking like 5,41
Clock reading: 12,39
